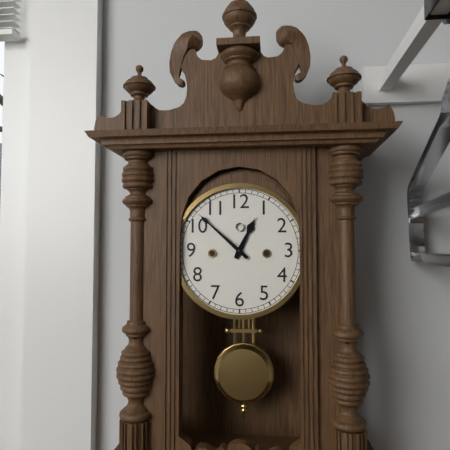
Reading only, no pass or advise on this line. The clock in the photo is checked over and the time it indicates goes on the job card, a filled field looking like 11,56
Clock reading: 12,52
